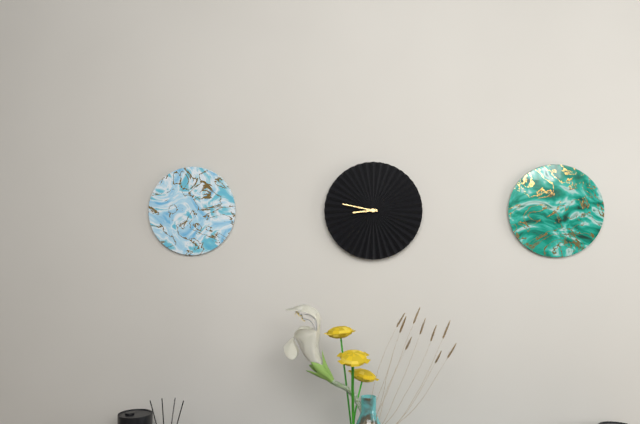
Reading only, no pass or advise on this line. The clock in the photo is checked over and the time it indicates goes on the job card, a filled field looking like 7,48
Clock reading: 8,47
